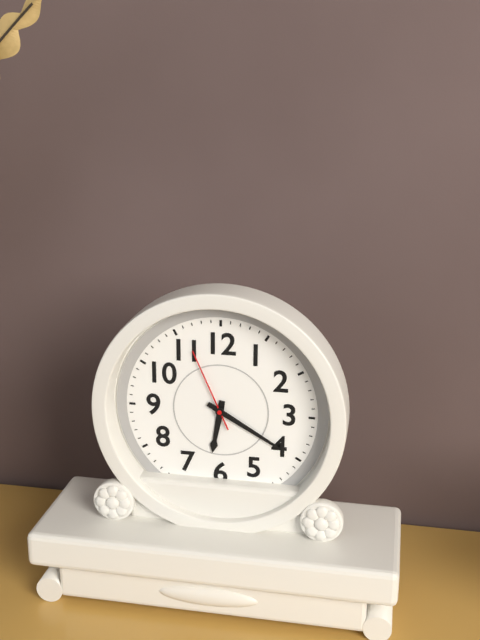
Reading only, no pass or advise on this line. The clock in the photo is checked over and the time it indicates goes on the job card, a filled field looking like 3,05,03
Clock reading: 6,20,56
